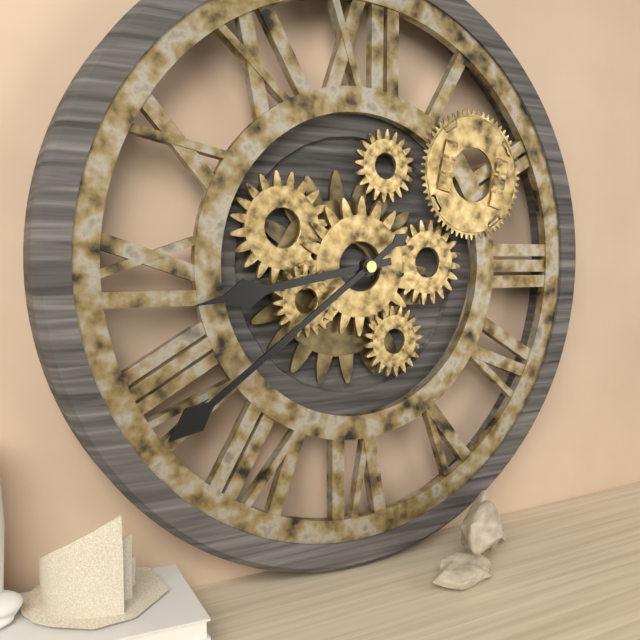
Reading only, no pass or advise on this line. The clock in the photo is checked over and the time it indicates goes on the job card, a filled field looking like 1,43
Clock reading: 8,39
